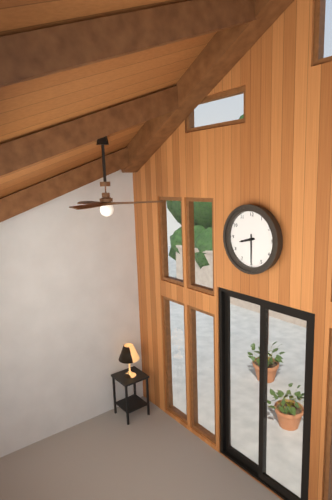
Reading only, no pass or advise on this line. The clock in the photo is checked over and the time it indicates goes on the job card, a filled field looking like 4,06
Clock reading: 8,30
